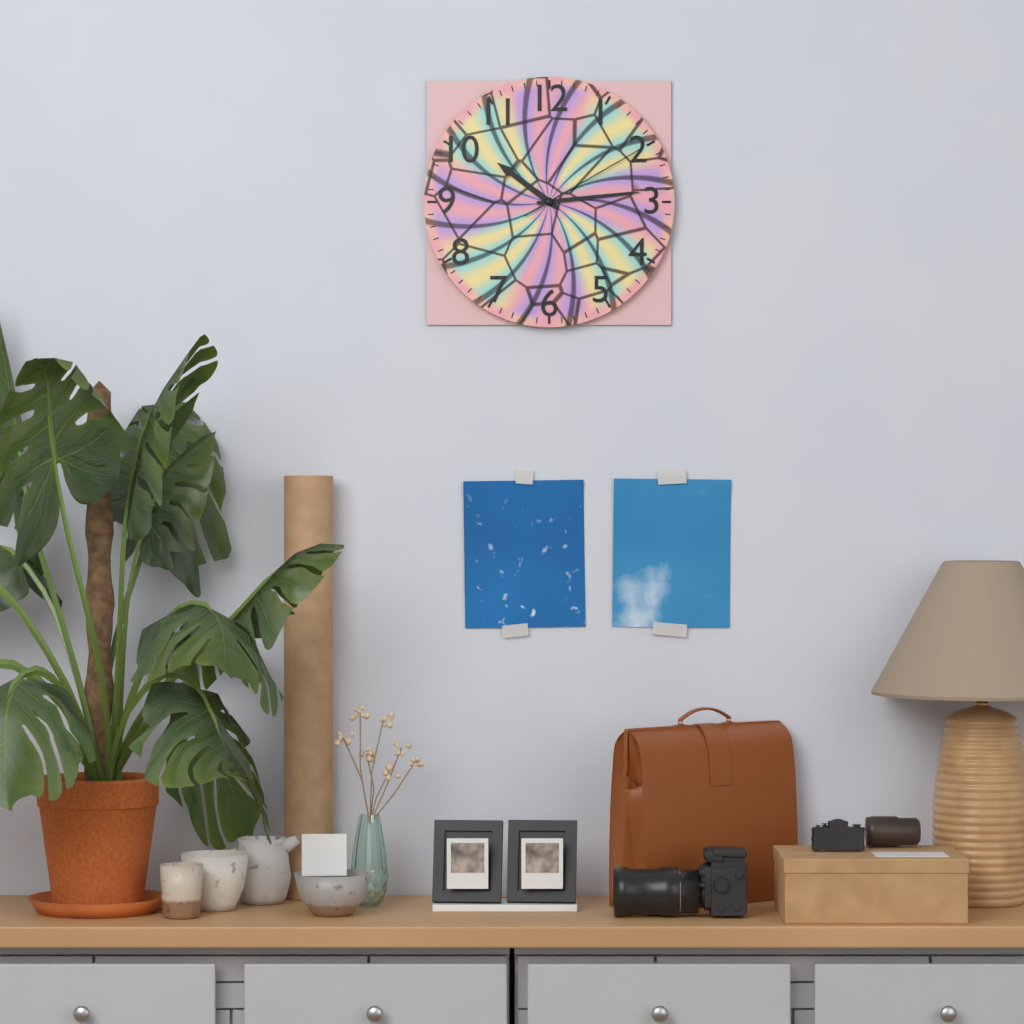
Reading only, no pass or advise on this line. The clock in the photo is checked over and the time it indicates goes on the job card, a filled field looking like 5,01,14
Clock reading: 10,14,10
